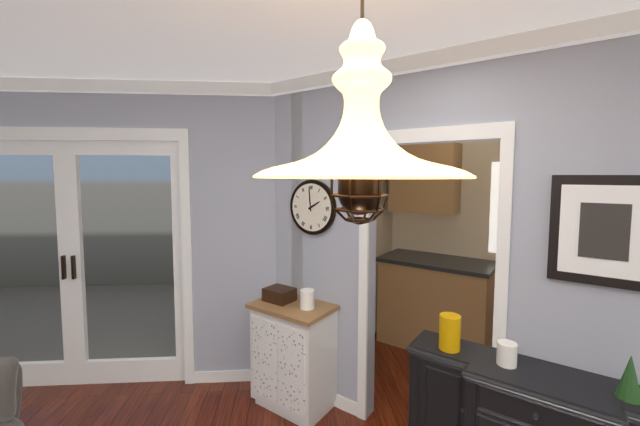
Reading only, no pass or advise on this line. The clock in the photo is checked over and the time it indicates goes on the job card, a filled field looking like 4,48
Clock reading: 1,59
